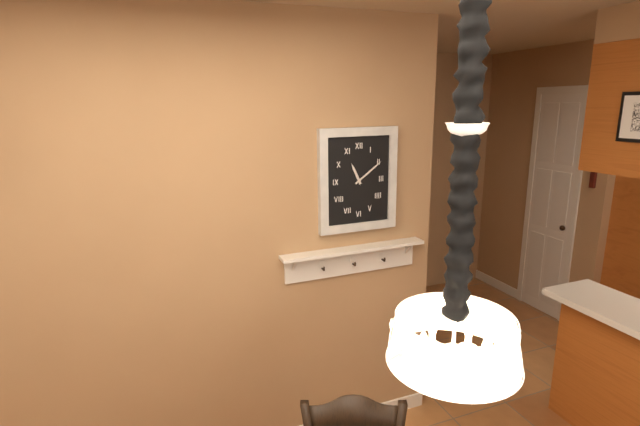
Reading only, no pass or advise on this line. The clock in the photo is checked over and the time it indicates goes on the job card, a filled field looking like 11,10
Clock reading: 11,09
